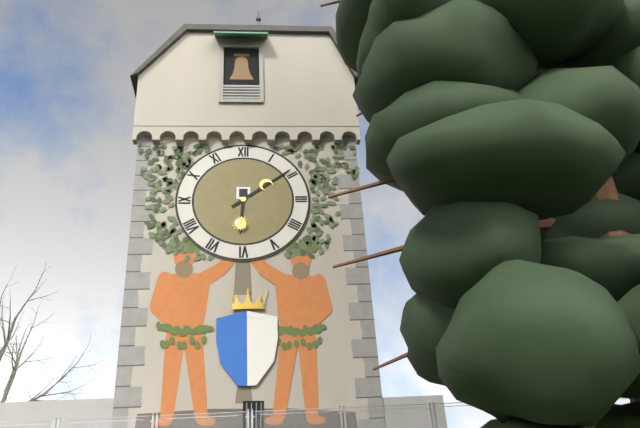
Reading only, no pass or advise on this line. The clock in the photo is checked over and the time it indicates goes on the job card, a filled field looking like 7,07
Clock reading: 6,09
